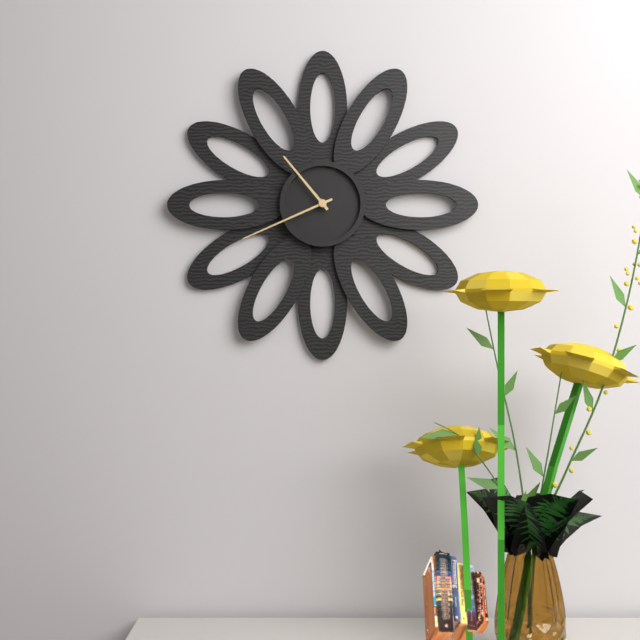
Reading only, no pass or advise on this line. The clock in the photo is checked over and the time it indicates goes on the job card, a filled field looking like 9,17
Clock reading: 10,41
